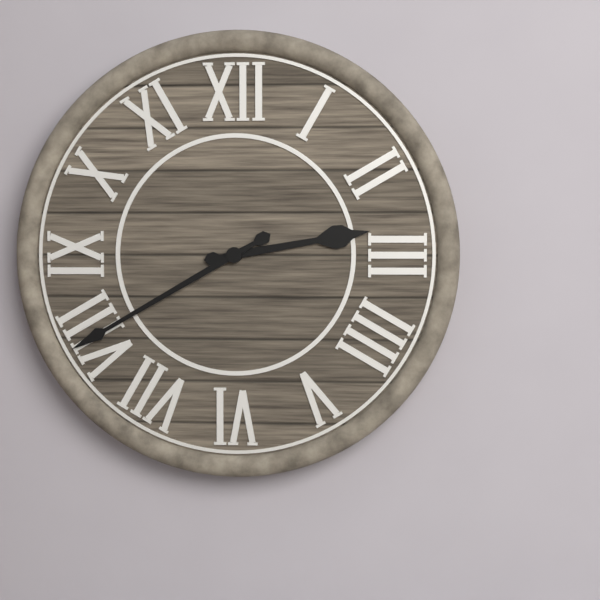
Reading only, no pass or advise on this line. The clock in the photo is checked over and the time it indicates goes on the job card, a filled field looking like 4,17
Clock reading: 2,40
